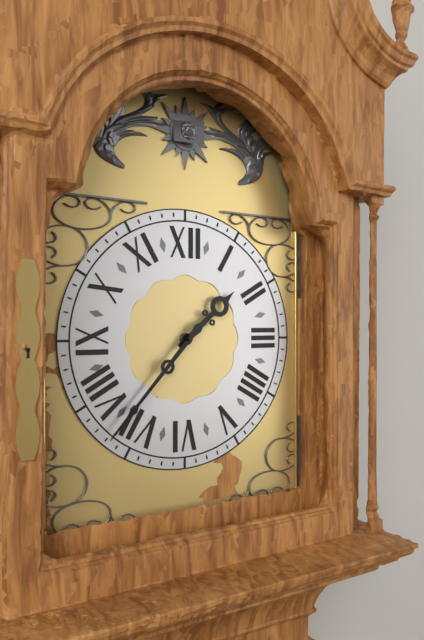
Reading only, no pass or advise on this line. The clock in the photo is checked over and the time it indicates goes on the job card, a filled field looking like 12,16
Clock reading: 1,37
